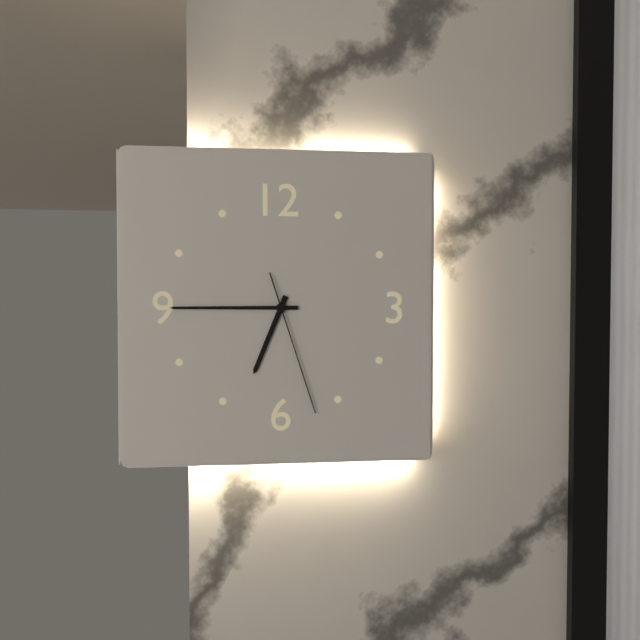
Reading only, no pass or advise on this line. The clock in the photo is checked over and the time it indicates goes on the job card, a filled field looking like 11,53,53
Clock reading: 6,45,27
